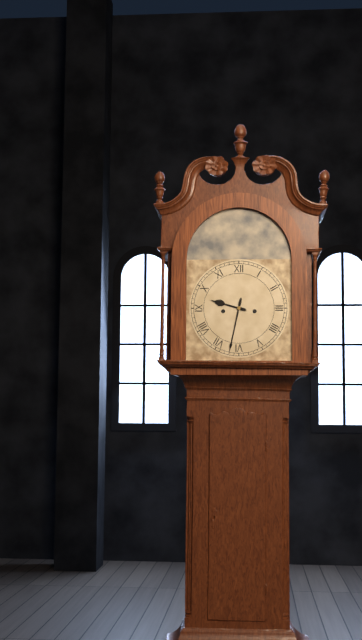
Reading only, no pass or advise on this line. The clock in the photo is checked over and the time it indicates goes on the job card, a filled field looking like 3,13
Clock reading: 9,32
